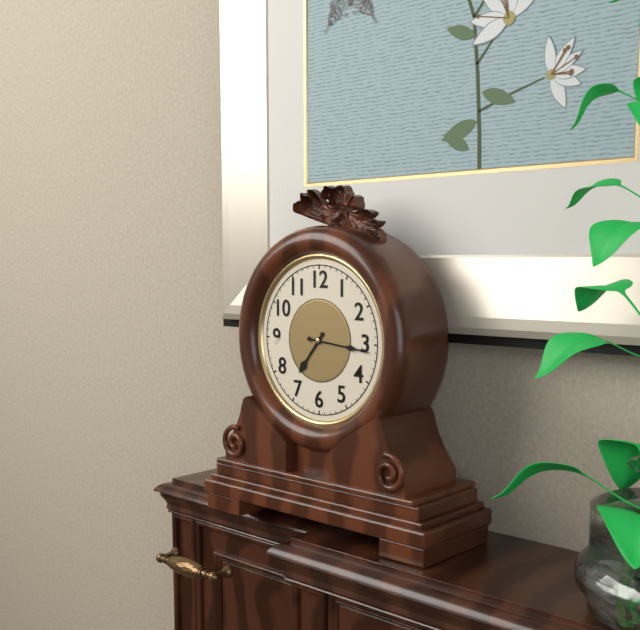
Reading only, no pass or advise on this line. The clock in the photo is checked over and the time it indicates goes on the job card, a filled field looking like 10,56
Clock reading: 7,16
